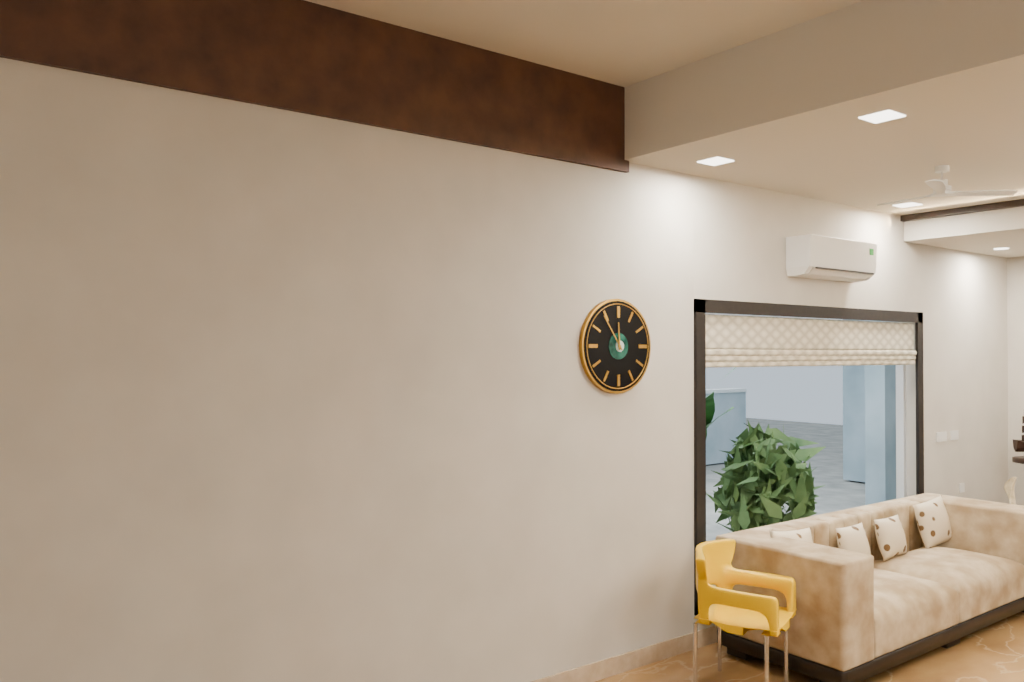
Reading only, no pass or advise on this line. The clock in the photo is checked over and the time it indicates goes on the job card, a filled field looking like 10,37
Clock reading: 11,54
